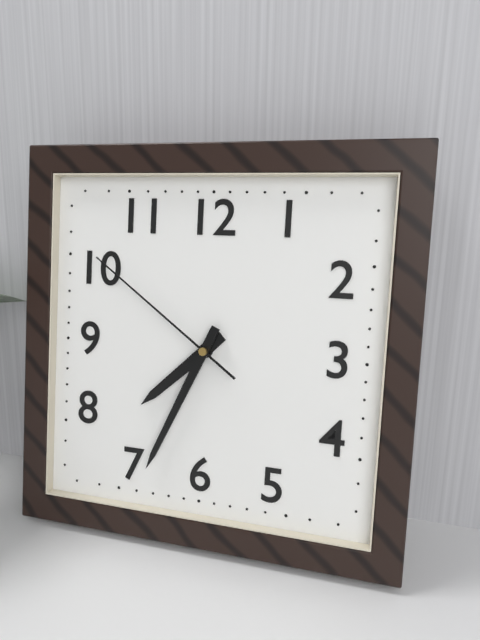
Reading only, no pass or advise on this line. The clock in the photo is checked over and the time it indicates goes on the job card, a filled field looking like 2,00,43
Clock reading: 7,34,51
